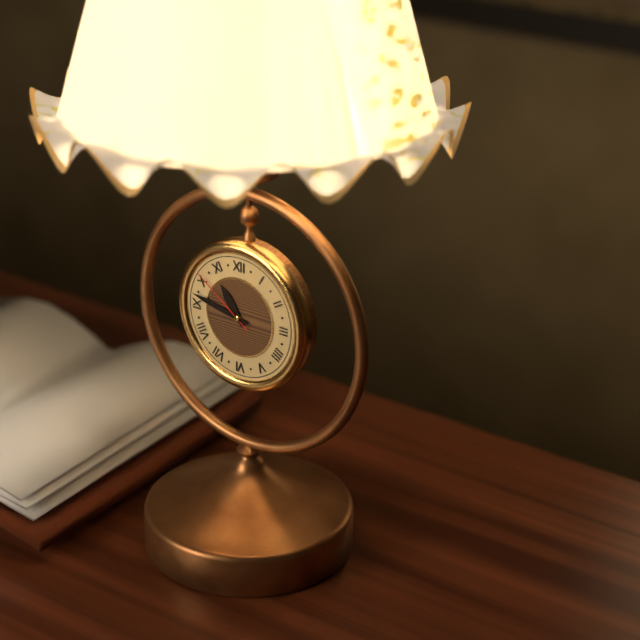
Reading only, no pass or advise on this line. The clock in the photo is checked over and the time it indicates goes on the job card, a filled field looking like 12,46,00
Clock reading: 10,47,51
